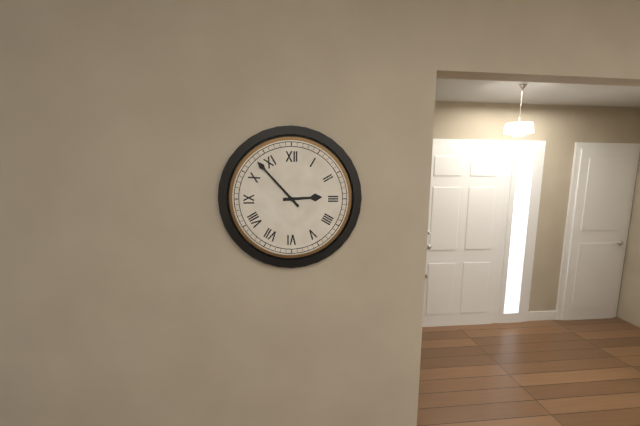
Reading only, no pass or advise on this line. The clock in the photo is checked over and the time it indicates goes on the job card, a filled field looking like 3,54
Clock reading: 2,53
